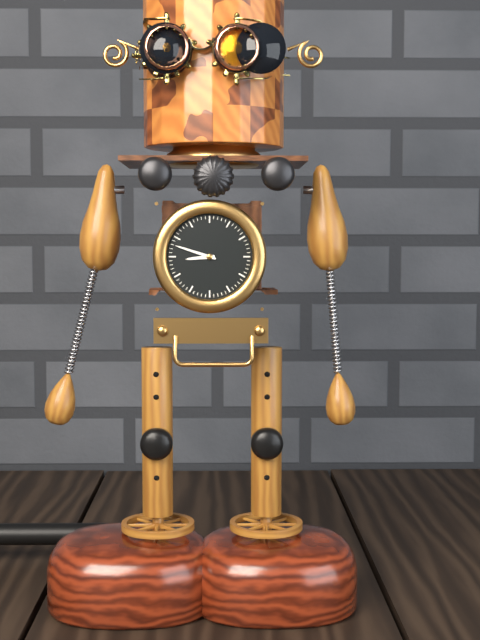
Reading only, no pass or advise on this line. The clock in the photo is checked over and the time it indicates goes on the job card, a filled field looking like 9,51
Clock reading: 8,48
